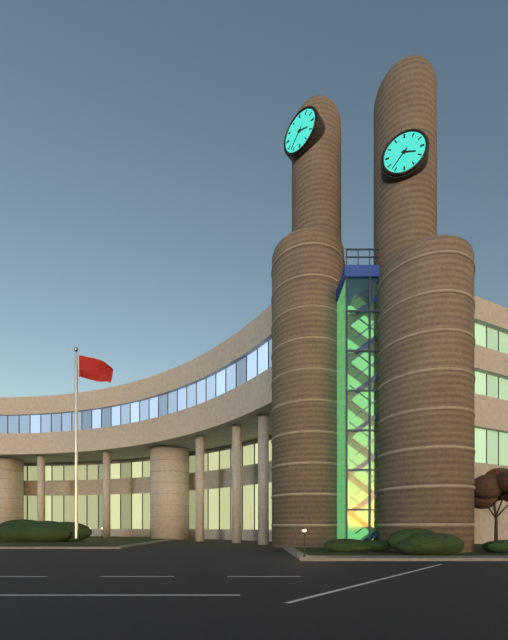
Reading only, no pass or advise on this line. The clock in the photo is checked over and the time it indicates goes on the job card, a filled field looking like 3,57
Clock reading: 3,37
